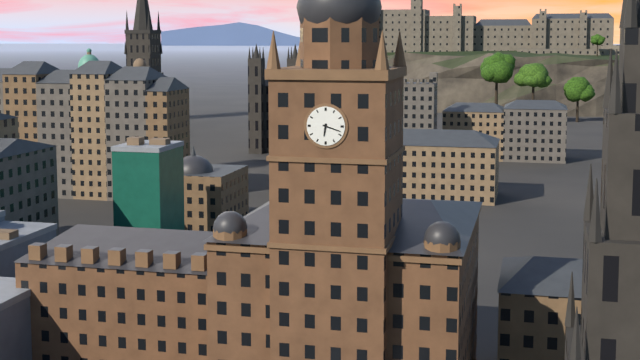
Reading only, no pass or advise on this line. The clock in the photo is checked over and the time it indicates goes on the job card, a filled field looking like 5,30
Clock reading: 6,18
